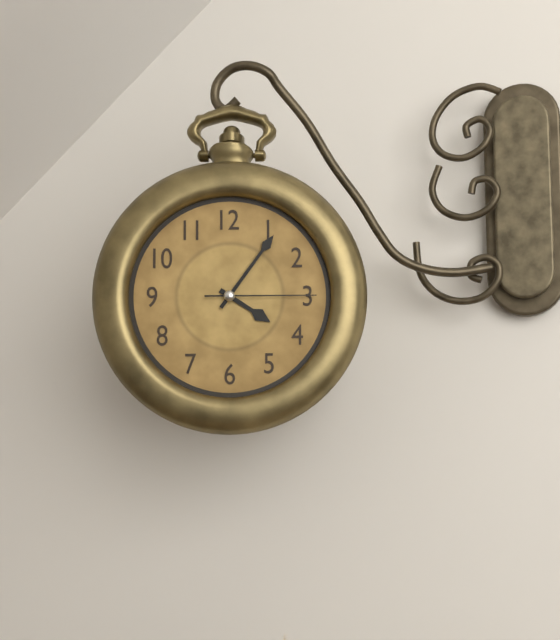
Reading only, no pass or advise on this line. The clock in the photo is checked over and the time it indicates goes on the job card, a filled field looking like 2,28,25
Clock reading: 4,06,15
